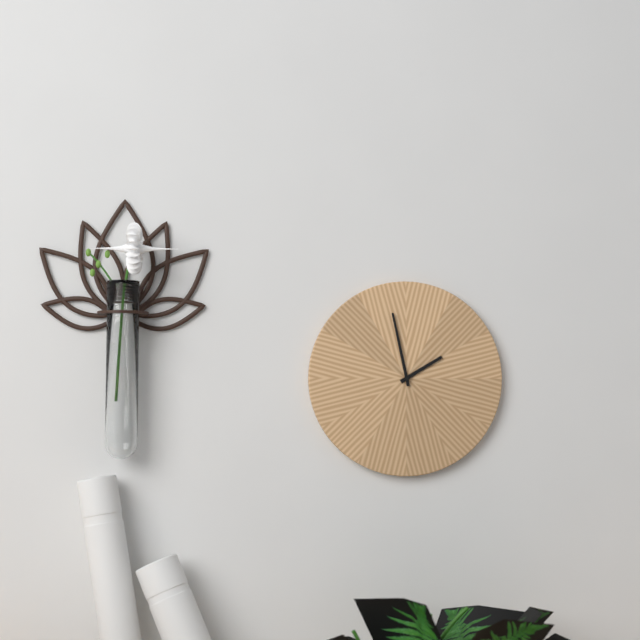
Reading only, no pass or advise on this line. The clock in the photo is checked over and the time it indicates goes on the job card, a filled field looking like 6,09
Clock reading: 1,58
